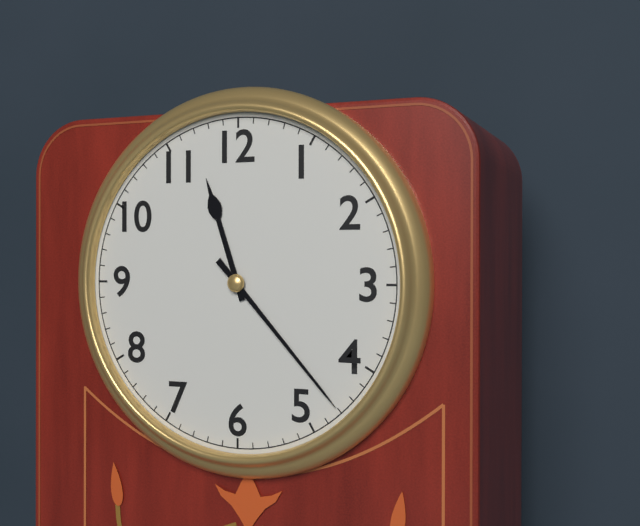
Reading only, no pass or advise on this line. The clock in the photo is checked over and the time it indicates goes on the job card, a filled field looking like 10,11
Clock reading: 11,23
